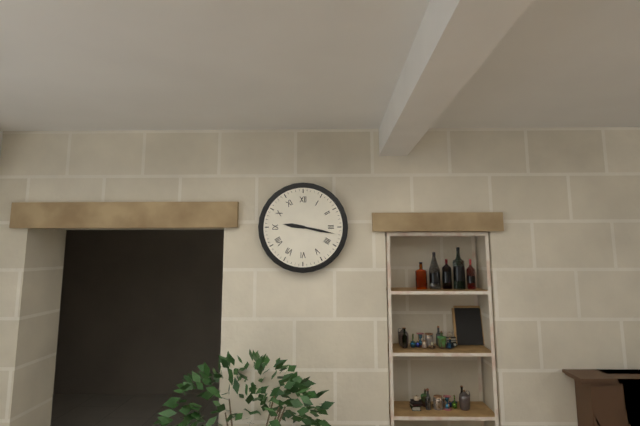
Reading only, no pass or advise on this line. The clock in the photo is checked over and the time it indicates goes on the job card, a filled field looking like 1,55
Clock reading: 9,17
